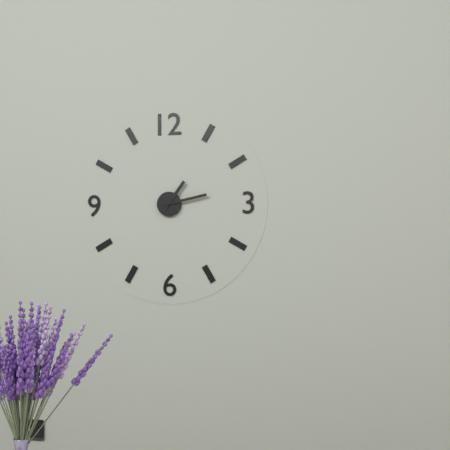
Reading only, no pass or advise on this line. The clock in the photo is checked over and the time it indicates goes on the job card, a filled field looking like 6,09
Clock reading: 1,13
